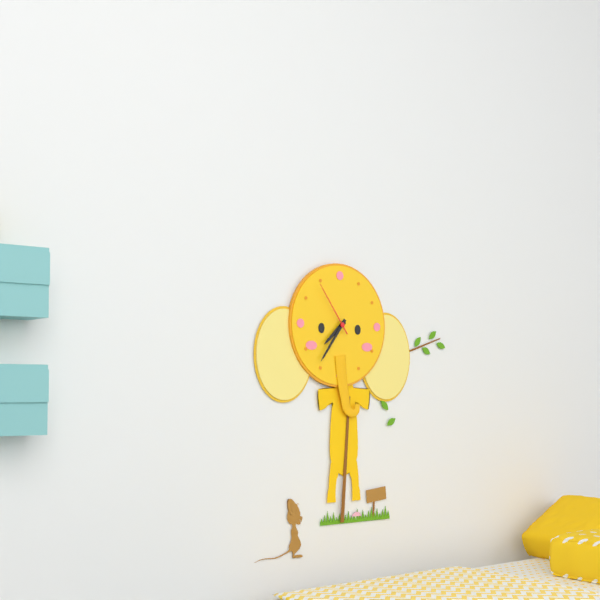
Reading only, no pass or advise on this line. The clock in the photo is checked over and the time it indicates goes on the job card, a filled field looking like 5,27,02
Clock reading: 7,36,54
